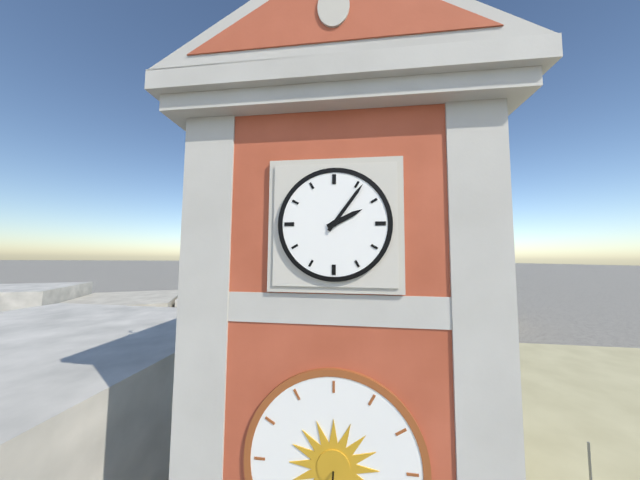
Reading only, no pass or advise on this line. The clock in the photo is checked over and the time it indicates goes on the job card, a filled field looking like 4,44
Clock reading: 2,06
